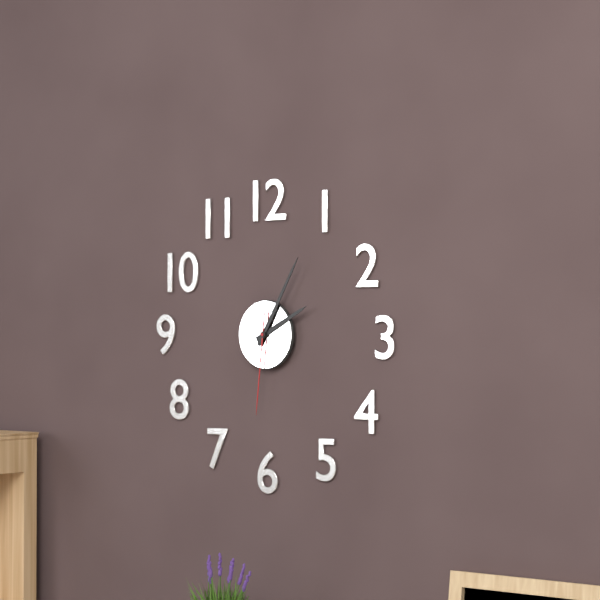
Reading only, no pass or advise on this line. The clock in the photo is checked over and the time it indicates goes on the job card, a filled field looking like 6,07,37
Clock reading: 2,05,31
